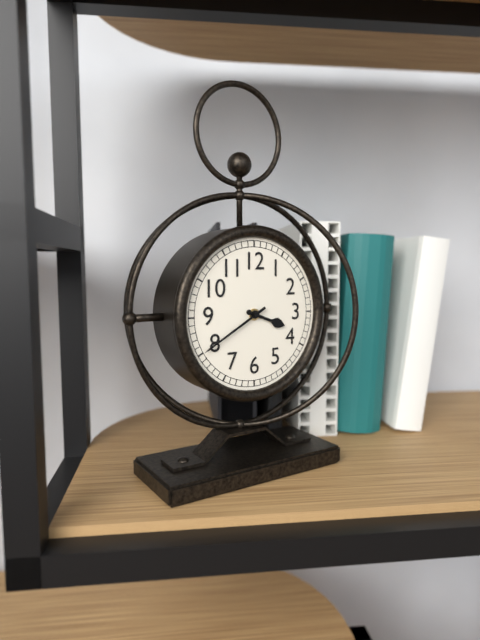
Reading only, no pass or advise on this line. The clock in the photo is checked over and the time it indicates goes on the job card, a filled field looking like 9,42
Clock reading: 3,40
